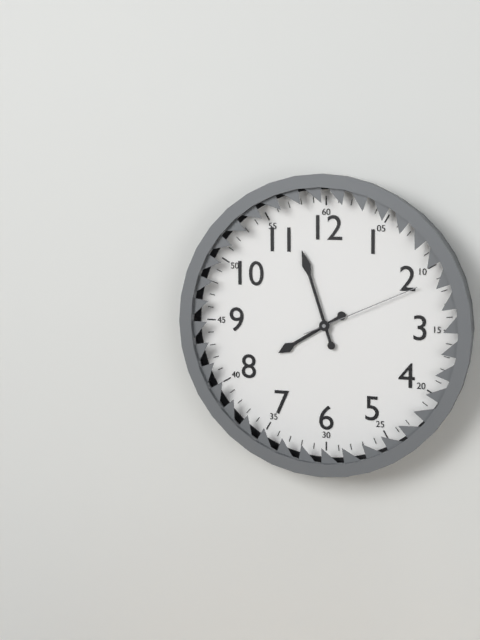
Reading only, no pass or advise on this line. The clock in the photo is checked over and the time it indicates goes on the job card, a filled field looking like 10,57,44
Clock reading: 7,57,11
